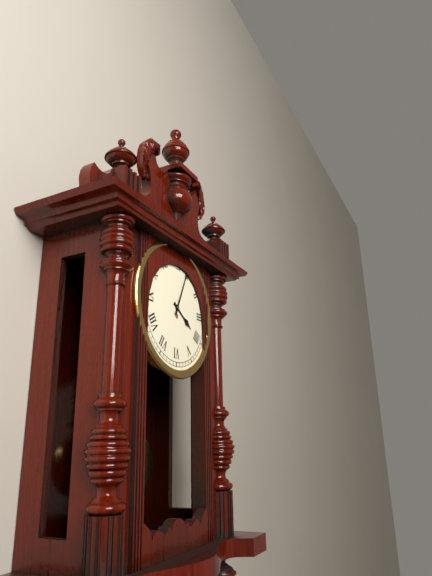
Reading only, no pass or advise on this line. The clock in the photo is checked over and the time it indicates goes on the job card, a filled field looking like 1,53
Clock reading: 4,04
